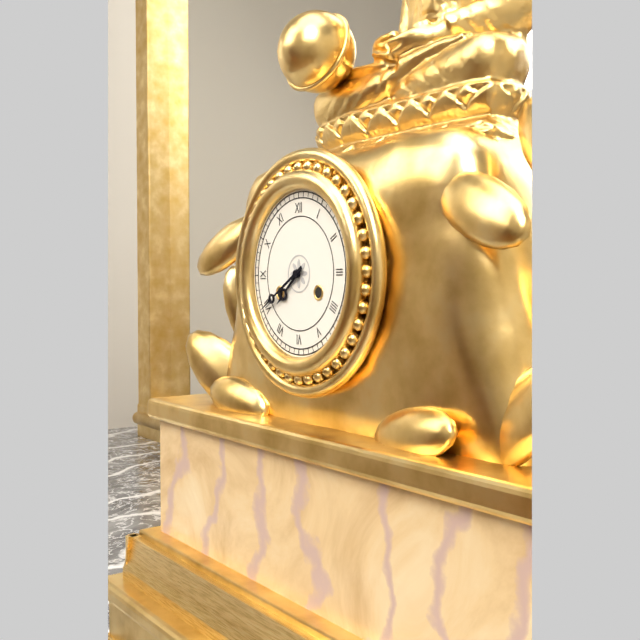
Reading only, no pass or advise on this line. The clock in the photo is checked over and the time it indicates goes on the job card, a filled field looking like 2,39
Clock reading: 7,40
